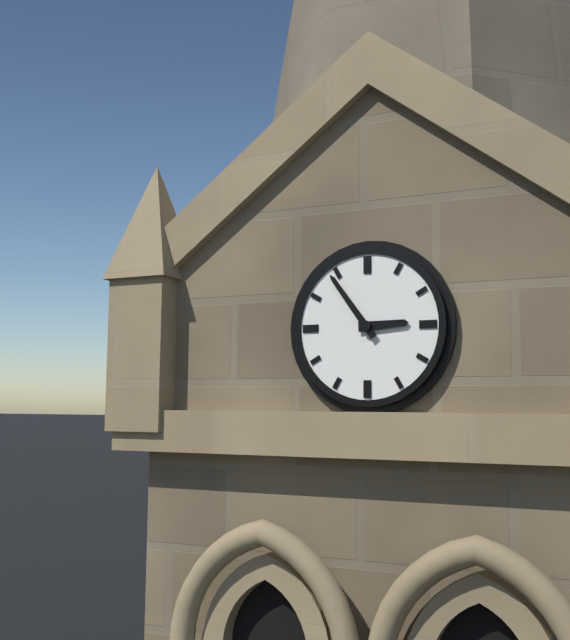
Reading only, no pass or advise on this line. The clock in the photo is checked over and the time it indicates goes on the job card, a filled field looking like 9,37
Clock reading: 2,54
